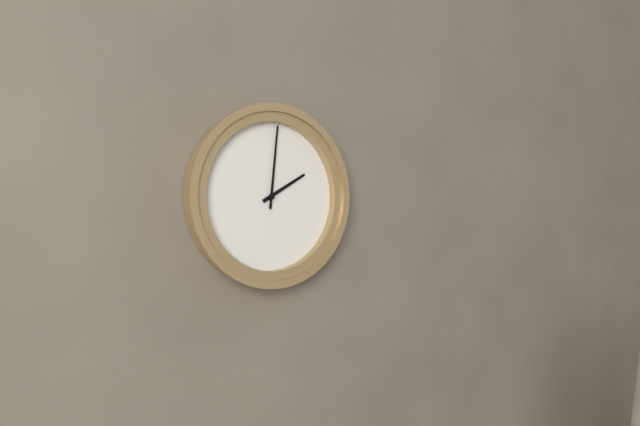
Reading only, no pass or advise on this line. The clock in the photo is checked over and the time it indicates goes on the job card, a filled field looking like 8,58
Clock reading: 2,01
